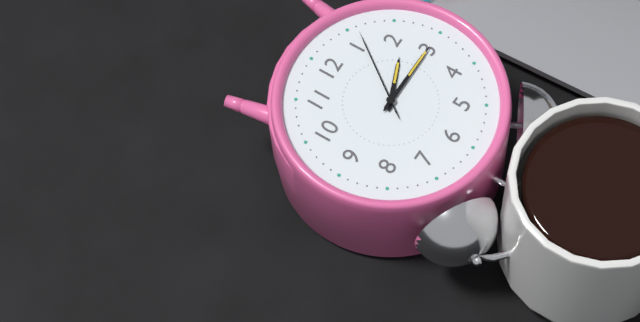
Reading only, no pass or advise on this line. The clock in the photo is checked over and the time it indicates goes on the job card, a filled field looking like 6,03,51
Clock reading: 2,15,06
